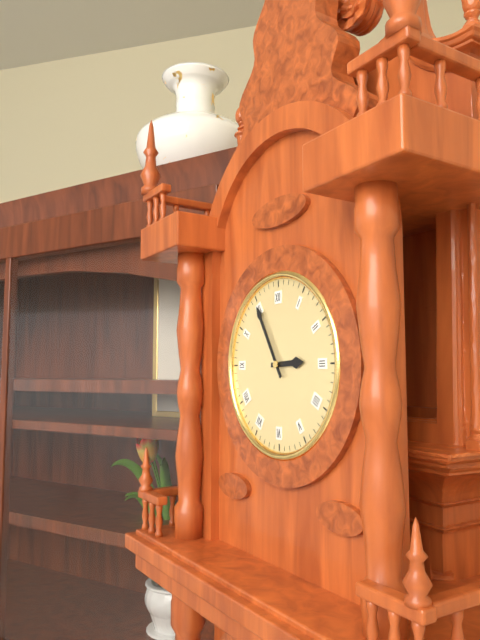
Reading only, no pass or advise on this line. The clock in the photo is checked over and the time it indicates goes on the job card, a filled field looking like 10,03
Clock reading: 2,55
